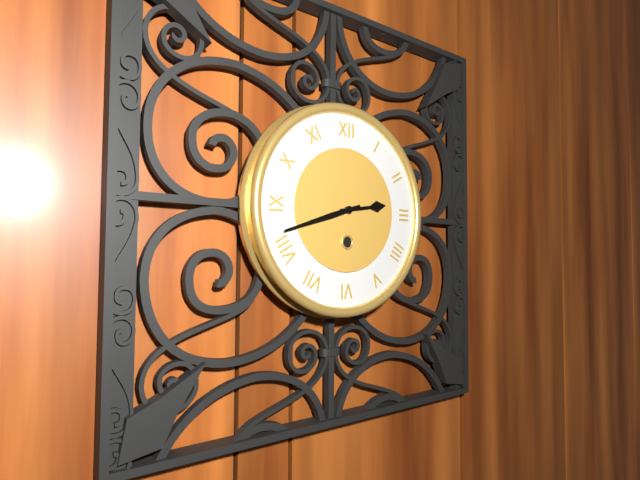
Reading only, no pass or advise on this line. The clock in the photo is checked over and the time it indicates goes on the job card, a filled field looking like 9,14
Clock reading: 2,42
